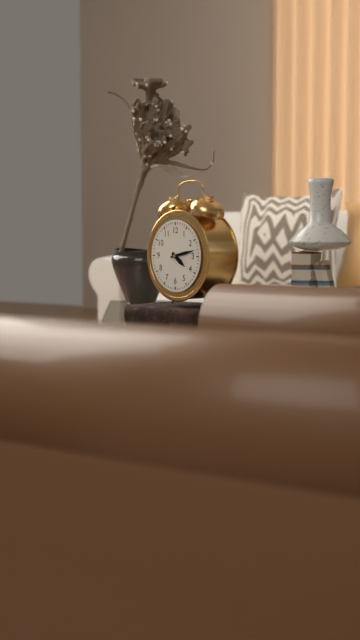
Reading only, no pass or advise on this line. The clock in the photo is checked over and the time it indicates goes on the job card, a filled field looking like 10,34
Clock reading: 4,13
